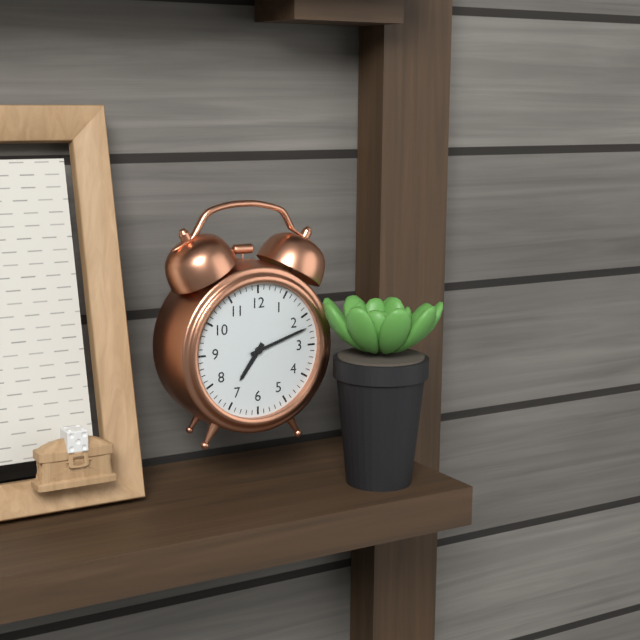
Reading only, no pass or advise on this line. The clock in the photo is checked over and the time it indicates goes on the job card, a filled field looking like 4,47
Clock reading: 7,12
